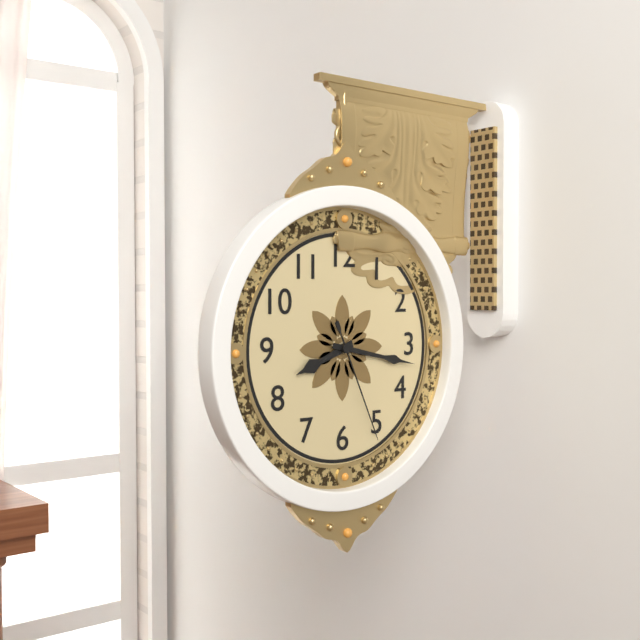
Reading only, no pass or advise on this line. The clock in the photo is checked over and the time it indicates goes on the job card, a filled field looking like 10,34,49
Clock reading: 8,17,26
